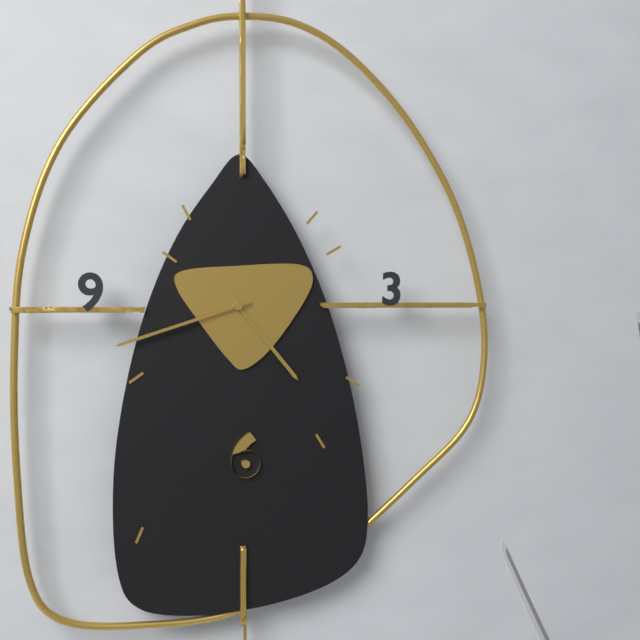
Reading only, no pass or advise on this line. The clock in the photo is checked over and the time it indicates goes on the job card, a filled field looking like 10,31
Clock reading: 4,42
